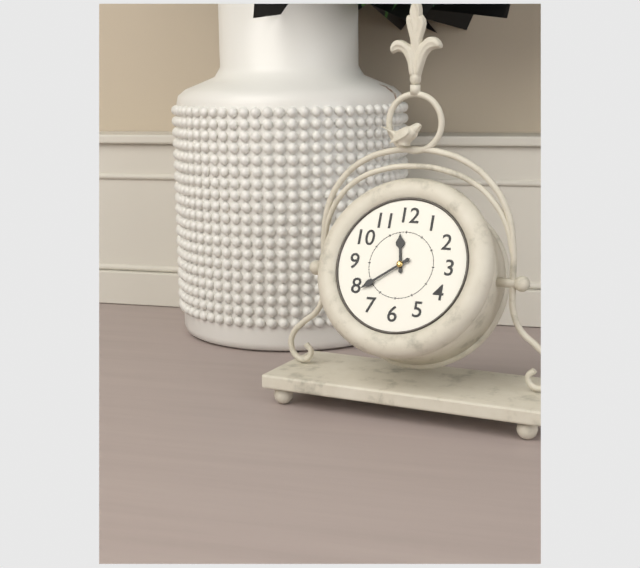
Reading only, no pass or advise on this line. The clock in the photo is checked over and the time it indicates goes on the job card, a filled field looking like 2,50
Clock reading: 11,39
